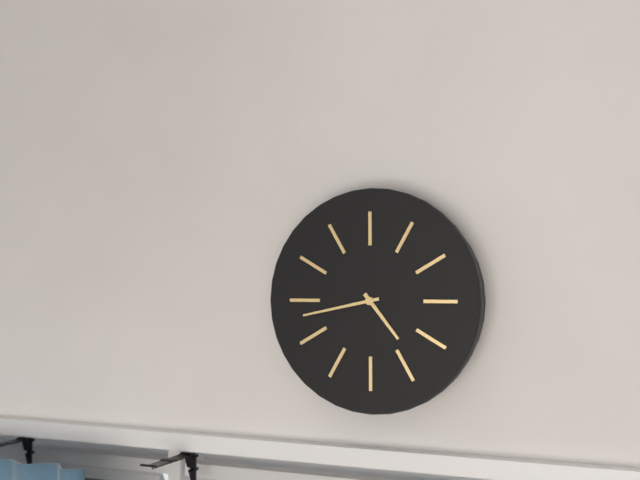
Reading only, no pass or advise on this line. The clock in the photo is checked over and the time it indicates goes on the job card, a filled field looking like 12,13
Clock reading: 4,43
